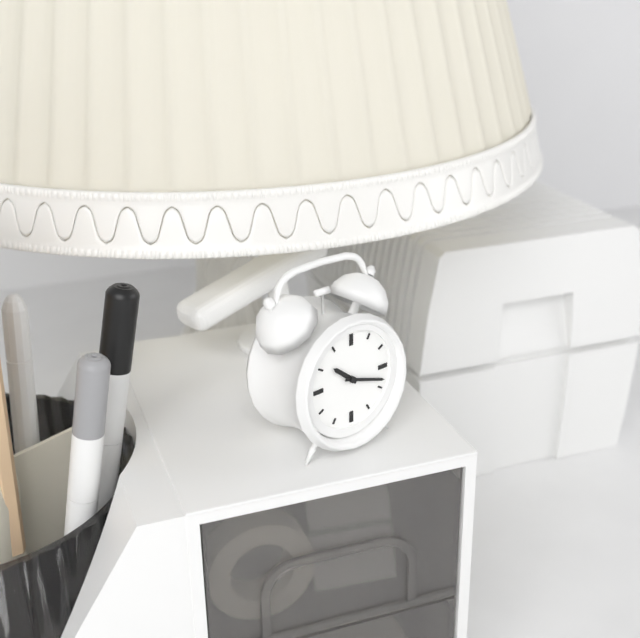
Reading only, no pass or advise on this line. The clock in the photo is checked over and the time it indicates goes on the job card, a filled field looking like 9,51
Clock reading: 10,18
